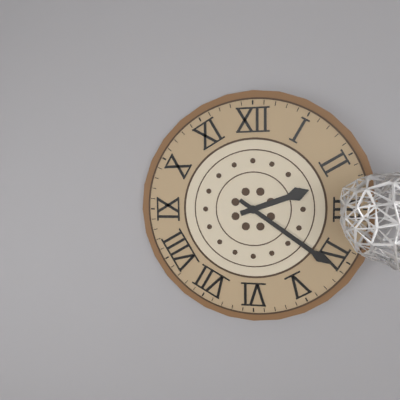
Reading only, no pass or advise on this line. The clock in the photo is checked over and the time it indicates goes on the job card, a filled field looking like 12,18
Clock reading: 2,21
